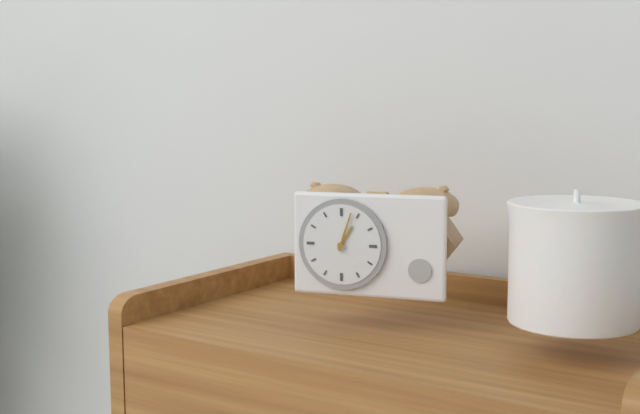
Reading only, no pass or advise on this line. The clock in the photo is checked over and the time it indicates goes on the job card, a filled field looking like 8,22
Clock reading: 1,03
